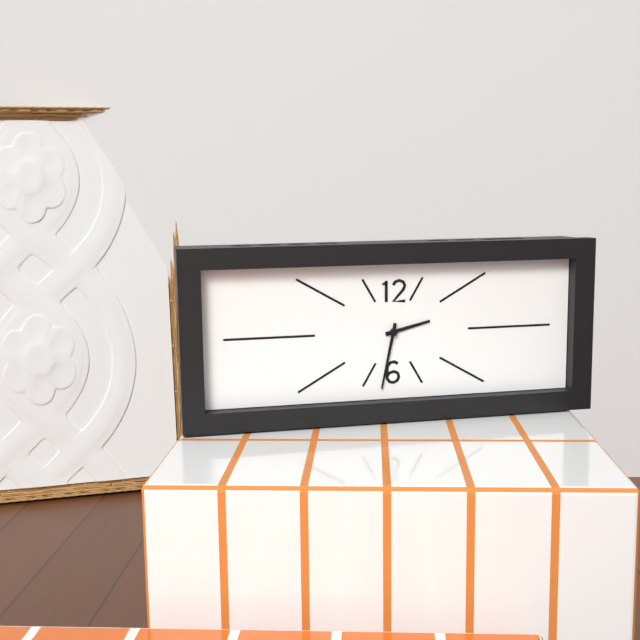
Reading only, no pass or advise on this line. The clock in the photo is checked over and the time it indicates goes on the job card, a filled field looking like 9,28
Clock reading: 2,32
